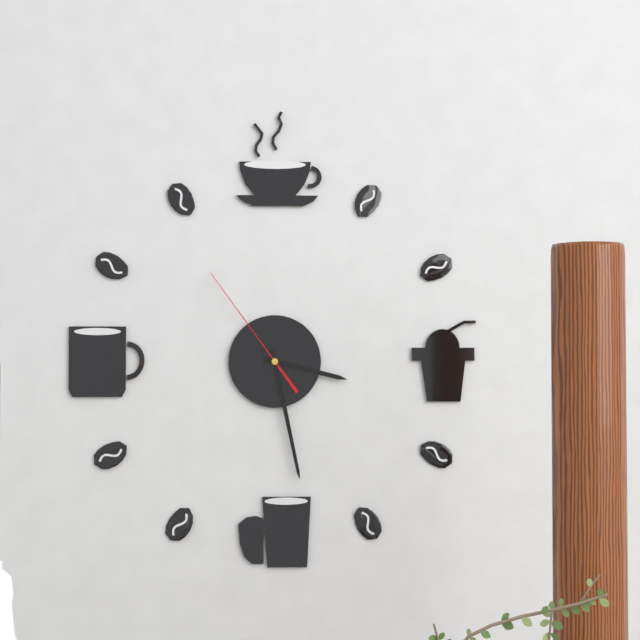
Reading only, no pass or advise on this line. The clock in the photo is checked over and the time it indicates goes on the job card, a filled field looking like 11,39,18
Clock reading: 3,28,54
